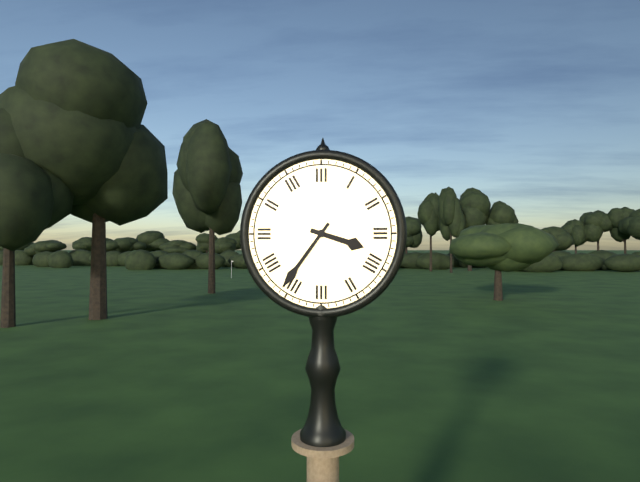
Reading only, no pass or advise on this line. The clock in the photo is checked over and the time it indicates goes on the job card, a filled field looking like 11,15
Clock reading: 3,36
